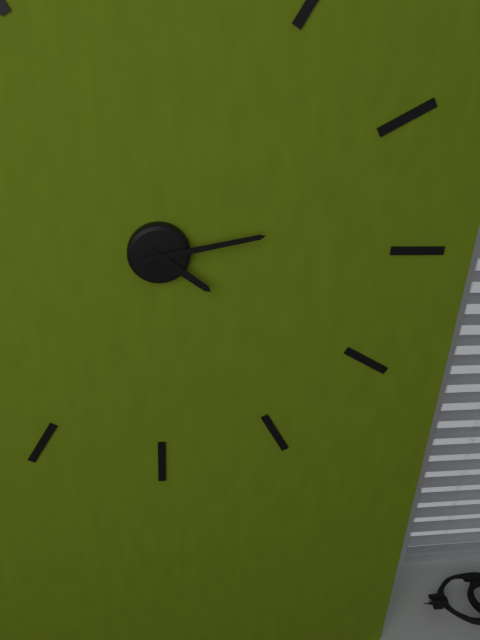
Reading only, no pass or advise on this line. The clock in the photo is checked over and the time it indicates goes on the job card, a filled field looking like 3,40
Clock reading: 4,13
